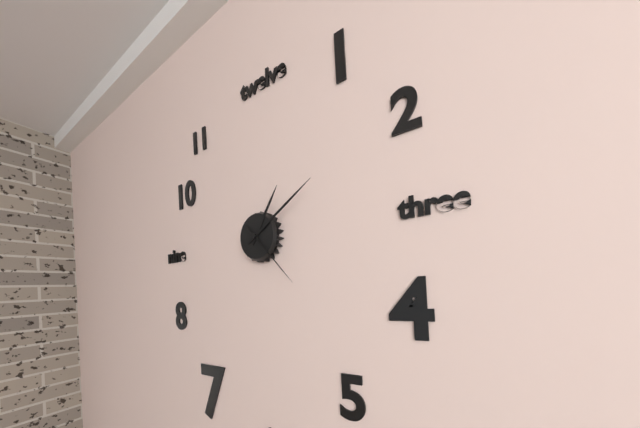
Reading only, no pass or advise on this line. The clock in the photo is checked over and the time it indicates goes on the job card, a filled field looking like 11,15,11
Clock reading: 1,10,23
